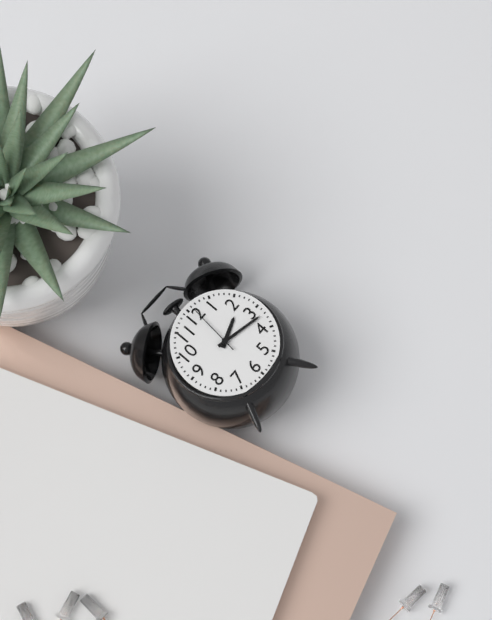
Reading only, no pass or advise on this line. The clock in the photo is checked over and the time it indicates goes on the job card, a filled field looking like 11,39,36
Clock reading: 2,17,01
